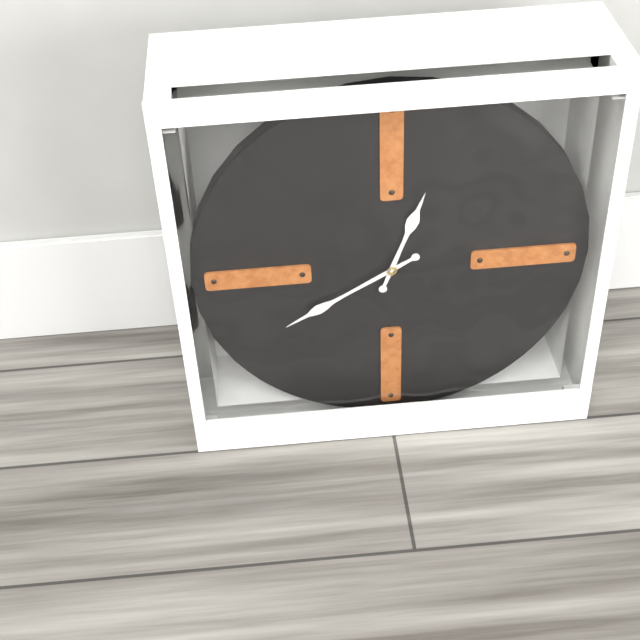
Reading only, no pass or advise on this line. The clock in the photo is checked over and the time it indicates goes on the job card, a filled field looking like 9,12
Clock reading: 12,40
